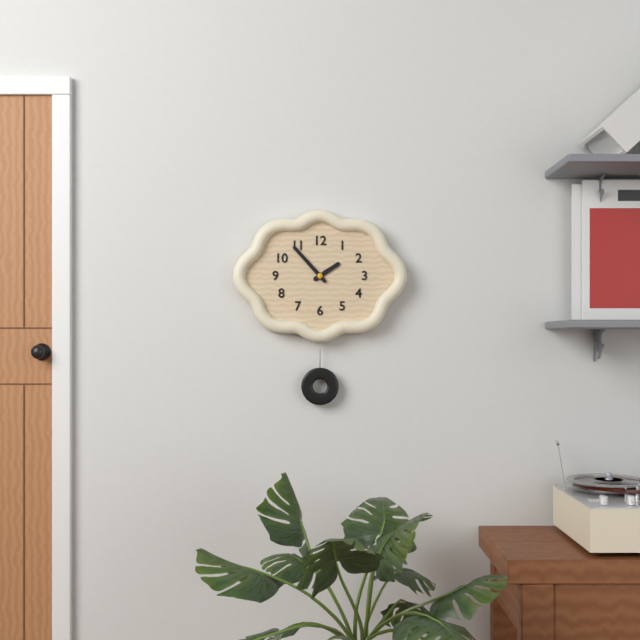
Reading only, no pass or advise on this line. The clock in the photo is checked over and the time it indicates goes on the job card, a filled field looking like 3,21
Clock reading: 1,53
